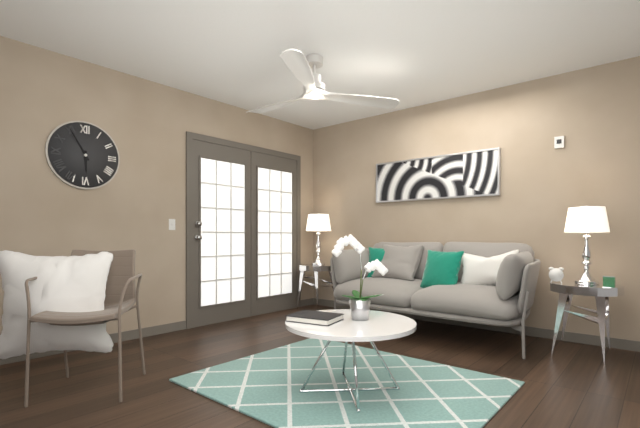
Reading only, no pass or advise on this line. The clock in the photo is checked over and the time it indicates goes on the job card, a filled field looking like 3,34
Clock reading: 5,55
